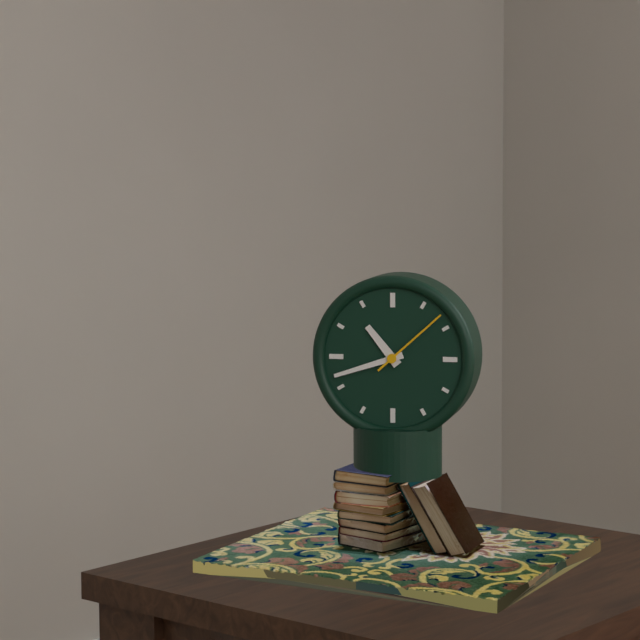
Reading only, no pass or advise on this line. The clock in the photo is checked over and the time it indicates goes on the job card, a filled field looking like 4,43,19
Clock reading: 10,42,08
